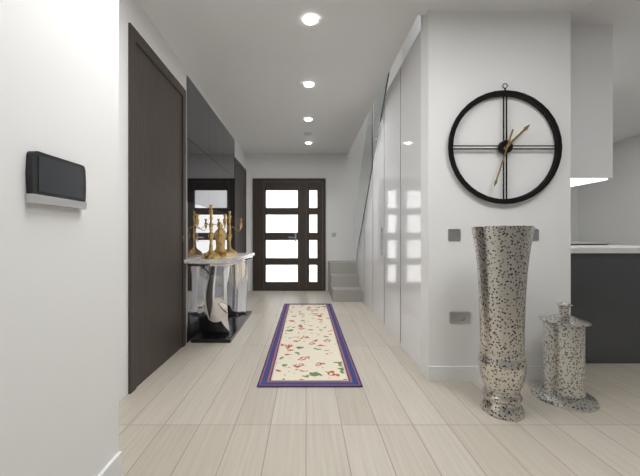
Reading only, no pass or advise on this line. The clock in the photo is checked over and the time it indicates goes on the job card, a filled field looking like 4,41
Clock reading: 1,33
